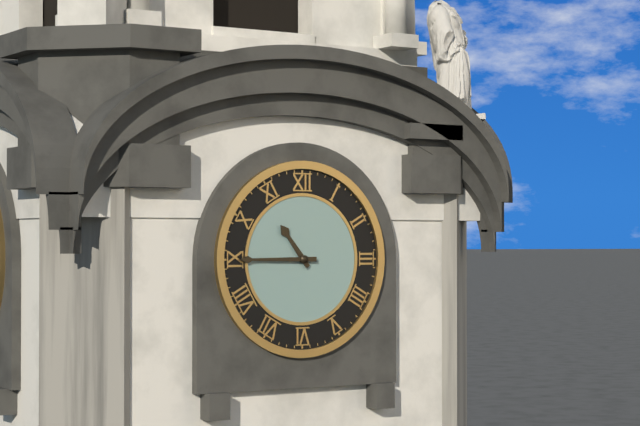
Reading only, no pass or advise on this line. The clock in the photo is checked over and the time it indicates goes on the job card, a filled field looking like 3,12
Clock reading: 10,45
